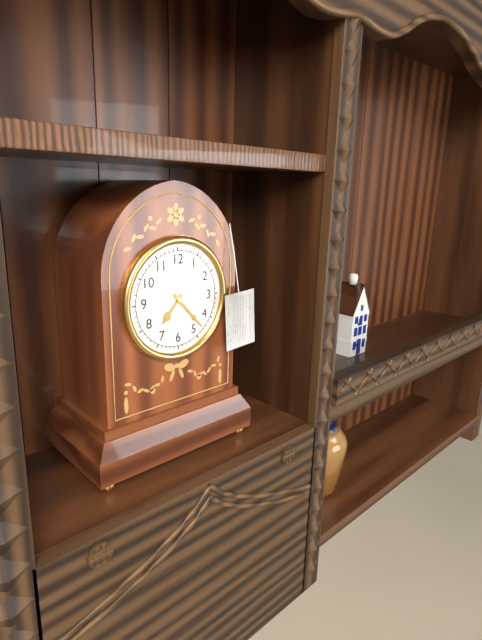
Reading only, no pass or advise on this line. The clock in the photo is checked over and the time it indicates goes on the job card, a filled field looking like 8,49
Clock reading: 7,23
